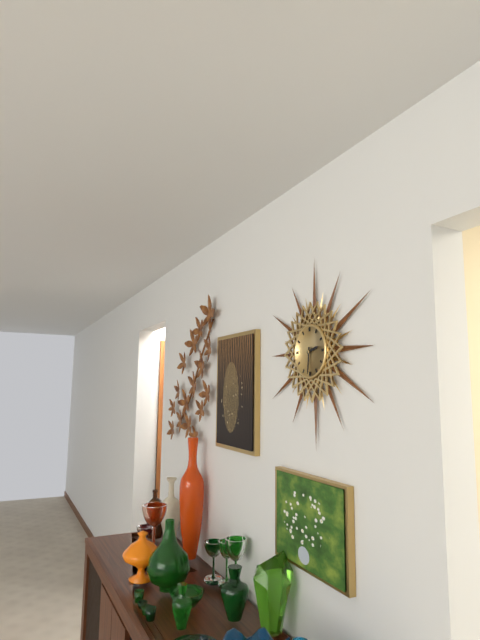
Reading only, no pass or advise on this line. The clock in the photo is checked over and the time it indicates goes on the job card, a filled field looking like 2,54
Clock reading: 2,31
